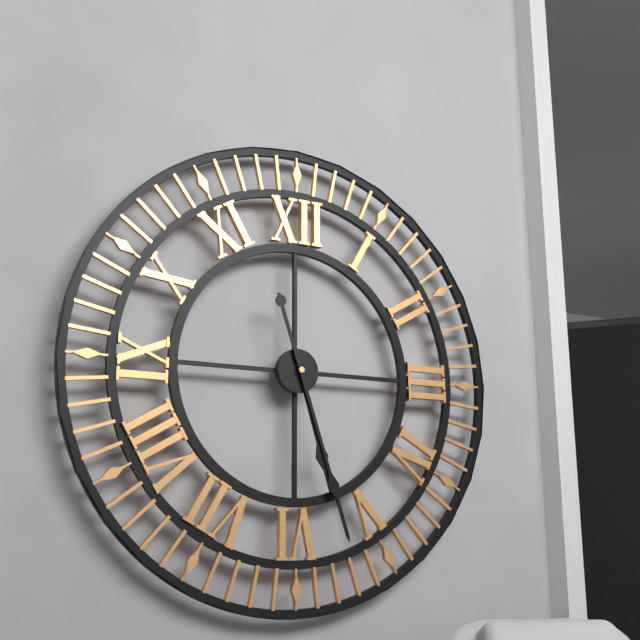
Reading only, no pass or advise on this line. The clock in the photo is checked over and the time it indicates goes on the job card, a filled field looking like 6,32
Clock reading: 5,27
